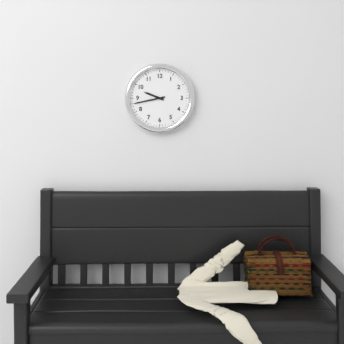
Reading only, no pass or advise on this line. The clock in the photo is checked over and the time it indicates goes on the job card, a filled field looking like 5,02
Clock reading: 9,43
